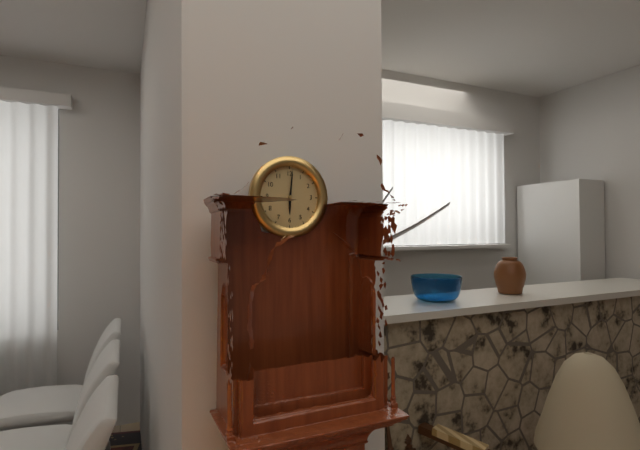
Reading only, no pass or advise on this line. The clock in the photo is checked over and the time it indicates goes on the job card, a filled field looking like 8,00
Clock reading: 6,01
